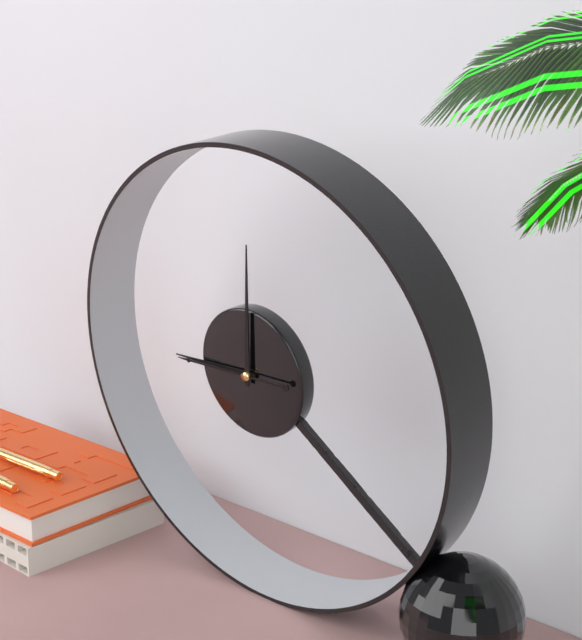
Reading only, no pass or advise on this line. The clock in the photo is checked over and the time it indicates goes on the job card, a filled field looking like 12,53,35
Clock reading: 9,01,45
